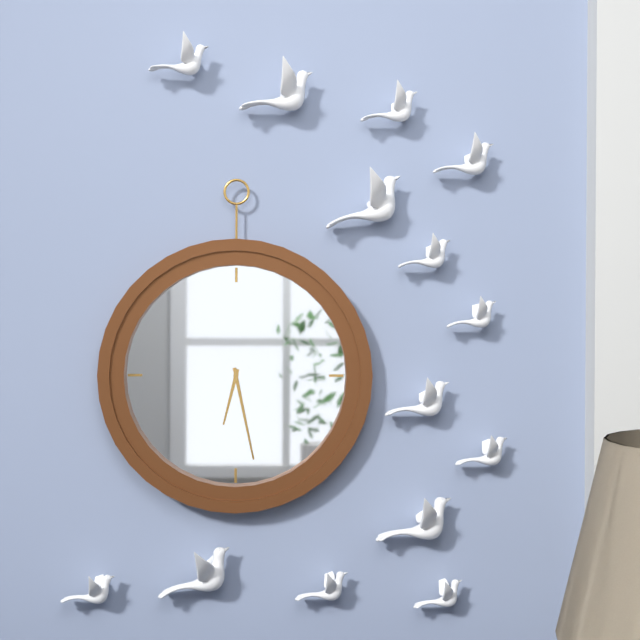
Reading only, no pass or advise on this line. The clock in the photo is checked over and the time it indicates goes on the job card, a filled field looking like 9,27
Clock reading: 6,28
